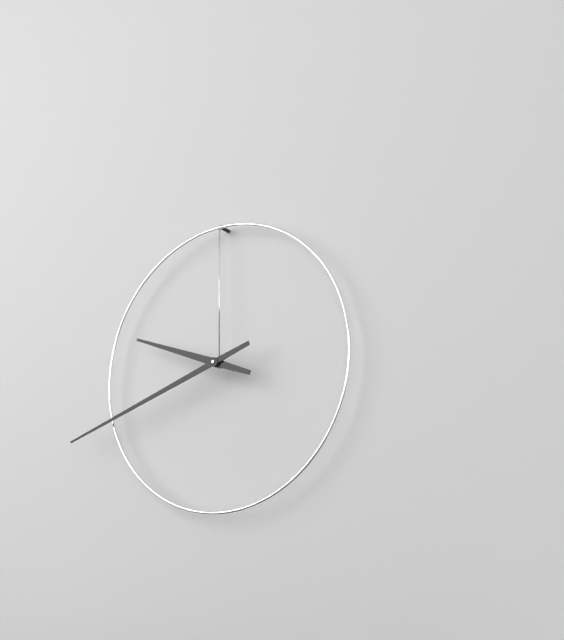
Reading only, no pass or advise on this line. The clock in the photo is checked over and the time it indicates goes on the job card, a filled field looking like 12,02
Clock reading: 9,42
